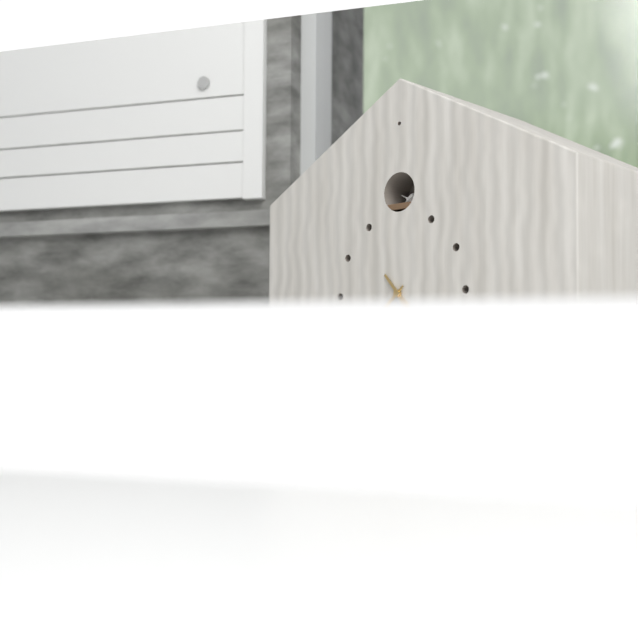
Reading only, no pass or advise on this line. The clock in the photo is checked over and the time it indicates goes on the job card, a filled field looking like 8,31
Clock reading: 4,38
